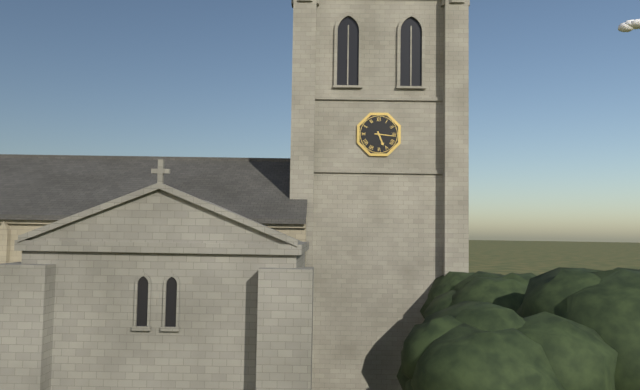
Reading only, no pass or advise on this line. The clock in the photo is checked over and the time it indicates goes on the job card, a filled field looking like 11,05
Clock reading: 5,16
